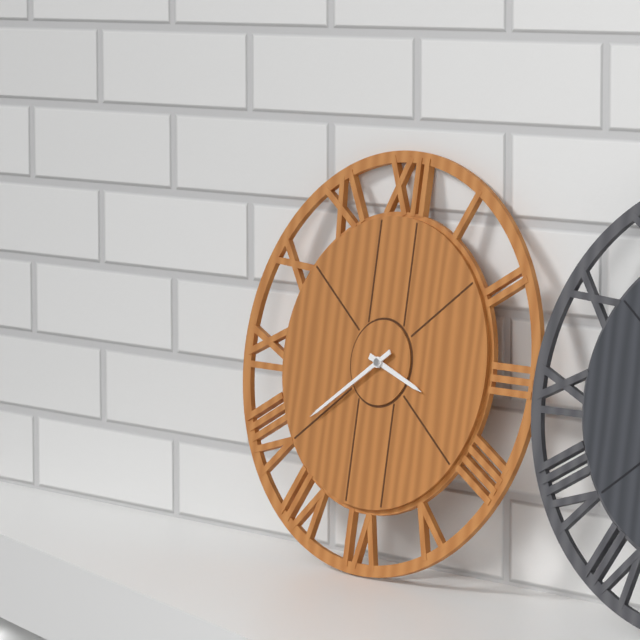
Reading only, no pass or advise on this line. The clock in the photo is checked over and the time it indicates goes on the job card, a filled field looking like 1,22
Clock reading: 3,39
